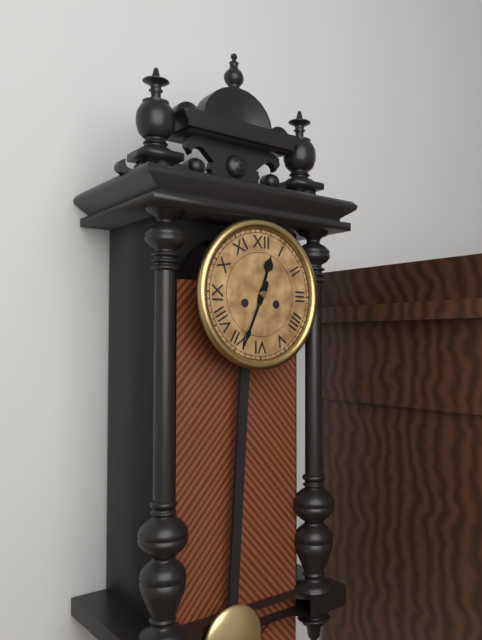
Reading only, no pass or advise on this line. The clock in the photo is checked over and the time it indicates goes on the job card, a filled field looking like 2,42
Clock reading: 12,34
